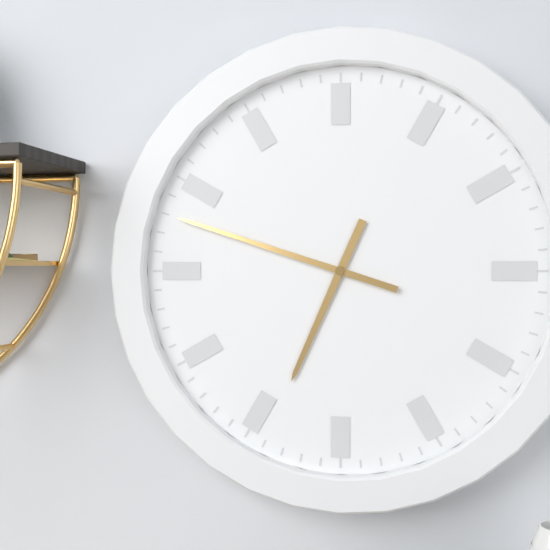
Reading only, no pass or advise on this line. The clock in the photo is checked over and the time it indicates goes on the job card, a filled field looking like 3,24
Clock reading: 6,48
